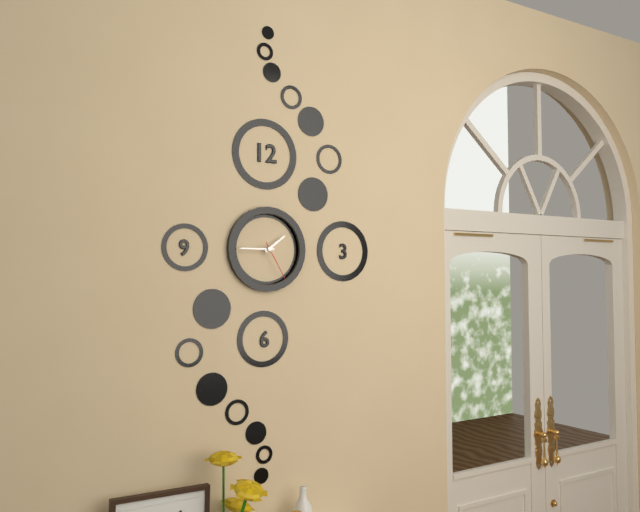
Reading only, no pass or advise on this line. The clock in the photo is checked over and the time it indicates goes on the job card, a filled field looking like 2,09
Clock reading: 1,45
